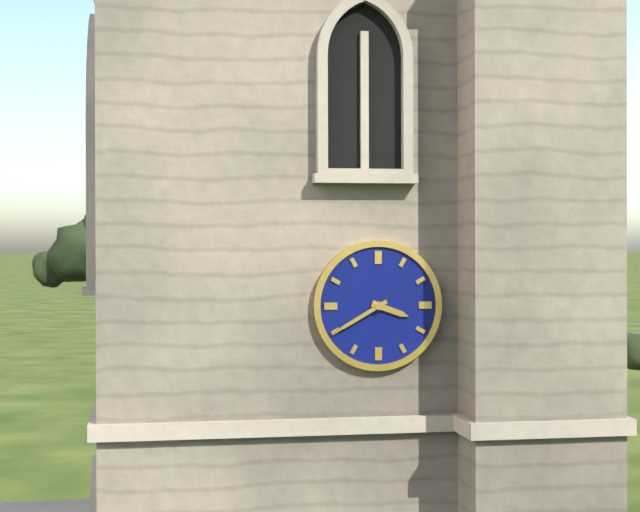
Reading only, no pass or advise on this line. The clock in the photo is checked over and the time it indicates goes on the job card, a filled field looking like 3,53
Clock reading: 3,40
